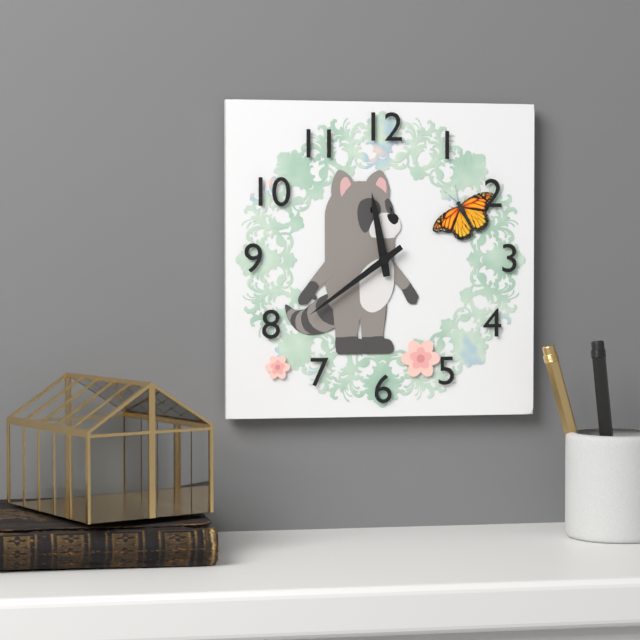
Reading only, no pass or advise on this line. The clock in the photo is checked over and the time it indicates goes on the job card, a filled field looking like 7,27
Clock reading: 11,39
